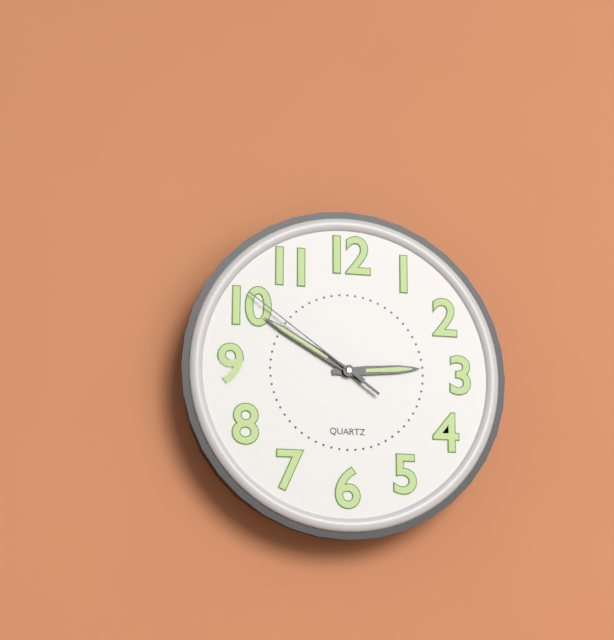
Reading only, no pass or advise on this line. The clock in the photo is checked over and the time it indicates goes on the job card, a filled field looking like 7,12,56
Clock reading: 2,50,51
